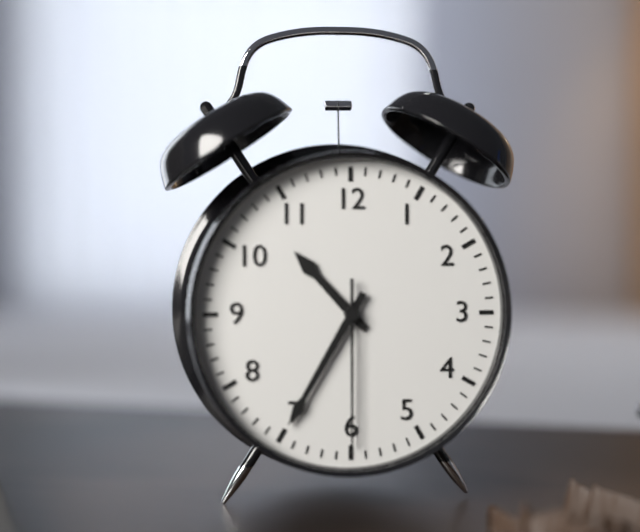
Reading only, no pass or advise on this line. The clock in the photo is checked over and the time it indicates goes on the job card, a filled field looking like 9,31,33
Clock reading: 10,35,30
